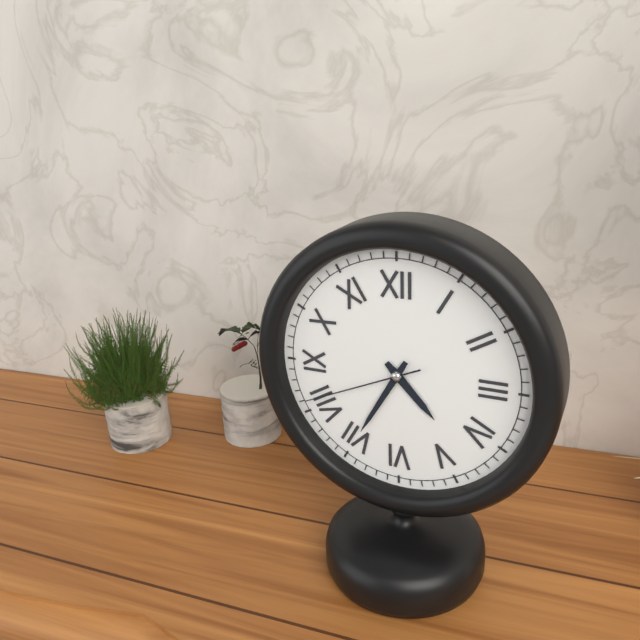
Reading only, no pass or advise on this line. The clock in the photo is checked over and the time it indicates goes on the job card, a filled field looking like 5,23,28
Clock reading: 4,35,41
